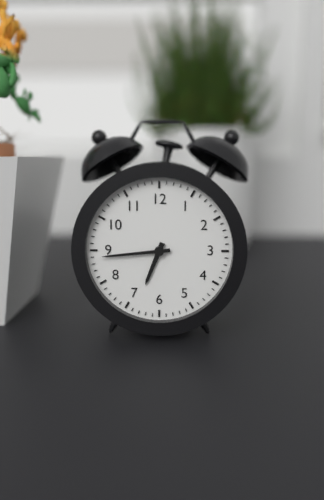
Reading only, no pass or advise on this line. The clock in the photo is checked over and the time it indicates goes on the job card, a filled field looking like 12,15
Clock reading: 6,44
